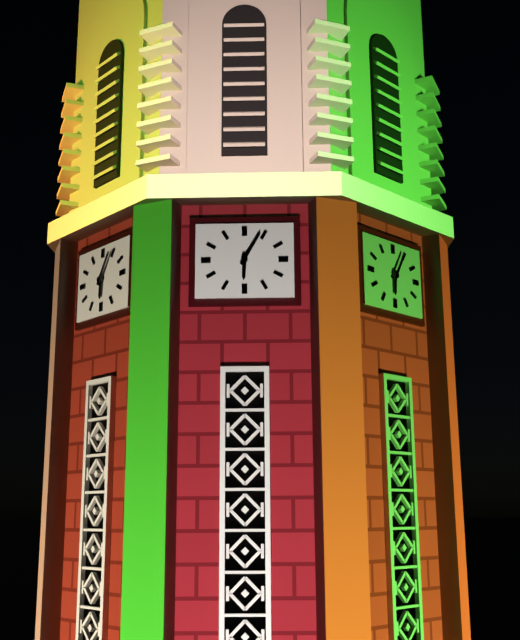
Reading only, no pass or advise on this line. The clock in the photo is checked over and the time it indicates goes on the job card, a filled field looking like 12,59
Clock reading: 6,05
